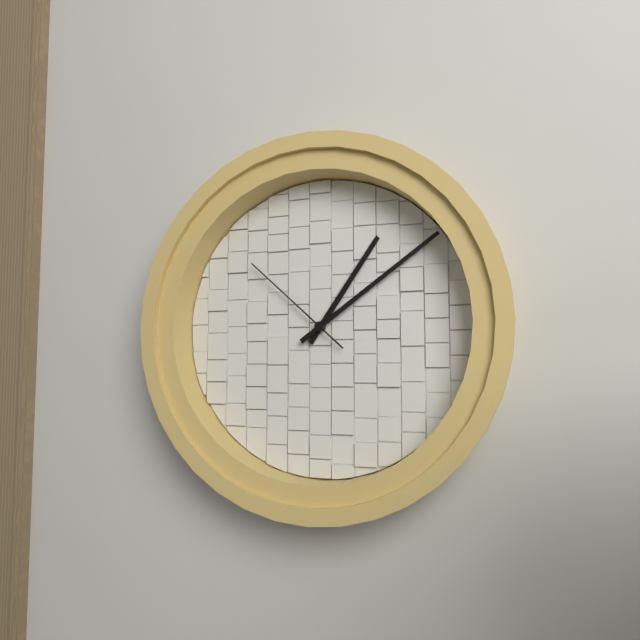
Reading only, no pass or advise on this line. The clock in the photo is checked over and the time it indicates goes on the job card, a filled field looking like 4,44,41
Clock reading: 1,09,52
